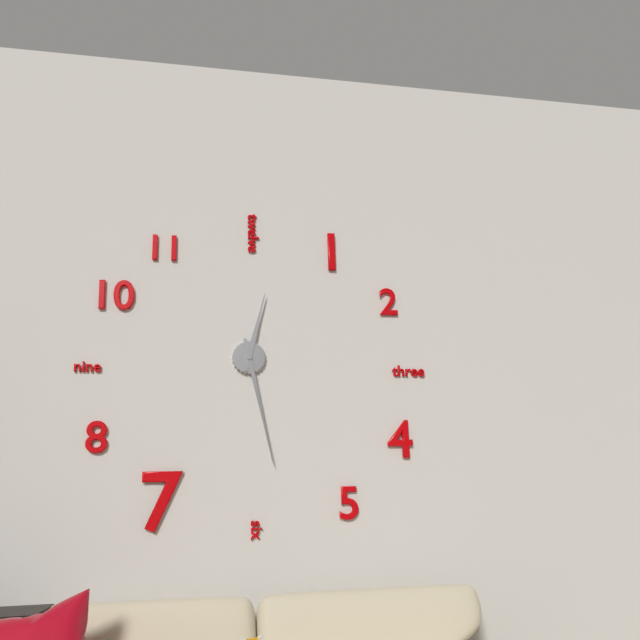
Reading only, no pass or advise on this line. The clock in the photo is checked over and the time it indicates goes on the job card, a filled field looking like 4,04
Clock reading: 12,28
